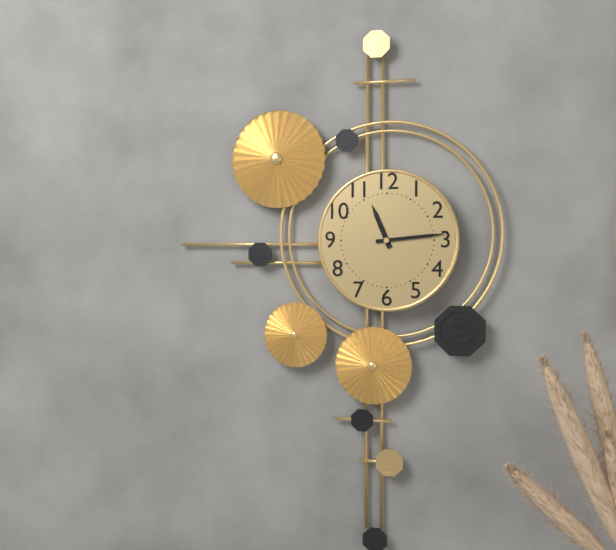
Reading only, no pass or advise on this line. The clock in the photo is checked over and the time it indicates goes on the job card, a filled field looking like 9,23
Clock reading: 11,14
